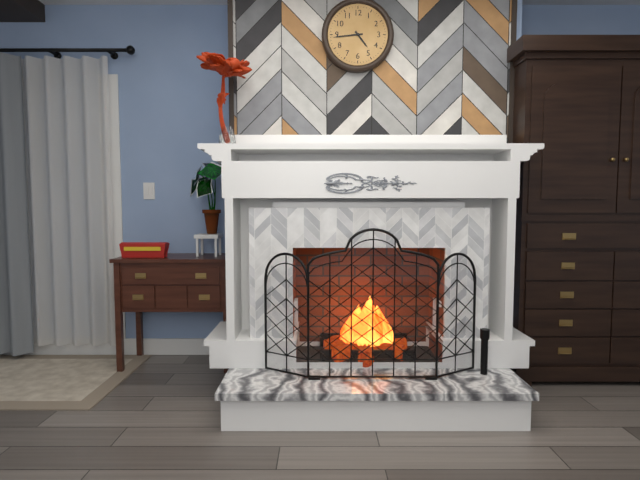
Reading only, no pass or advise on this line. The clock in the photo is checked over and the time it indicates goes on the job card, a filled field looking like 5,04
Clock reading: 4,44
